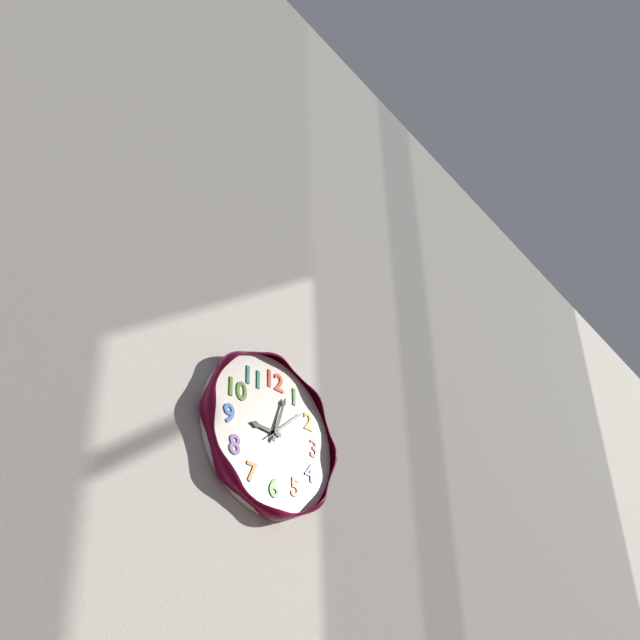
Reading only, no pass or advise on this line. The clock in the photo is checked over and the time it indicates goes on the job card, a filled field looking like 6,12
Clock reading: 9,03
